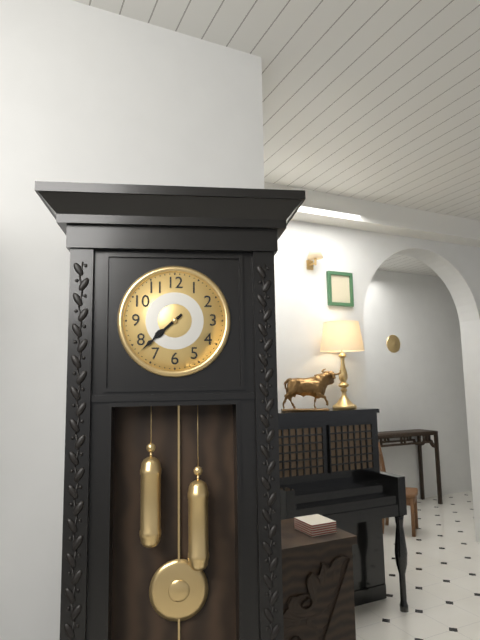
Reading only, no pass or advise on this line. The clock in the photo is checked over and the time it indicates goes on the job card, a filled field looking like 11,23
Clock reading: 7,38
